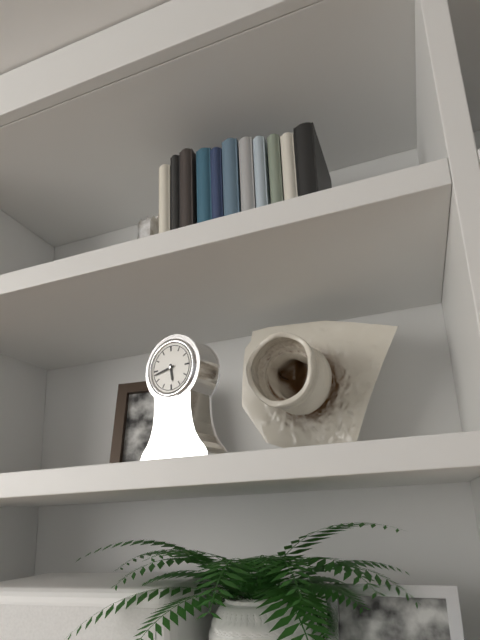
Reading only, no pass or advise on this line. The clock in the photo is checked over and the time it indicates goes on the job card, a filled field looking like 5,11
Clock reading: 5,43
